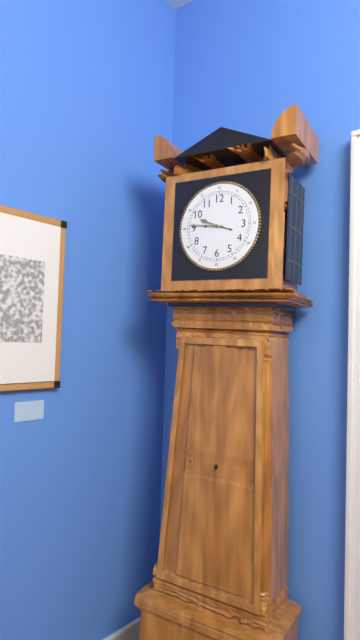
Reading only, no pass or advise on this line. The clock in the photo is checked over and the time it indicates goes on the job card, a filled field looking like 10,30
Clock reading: 9,46
